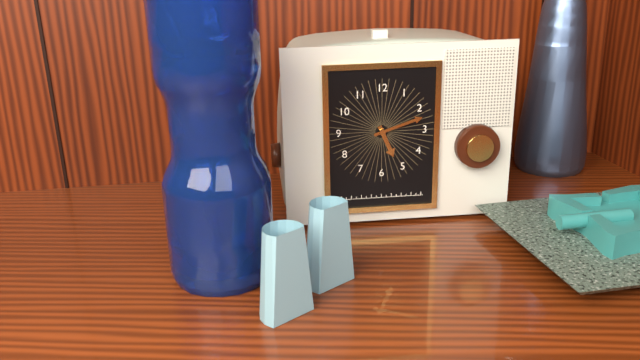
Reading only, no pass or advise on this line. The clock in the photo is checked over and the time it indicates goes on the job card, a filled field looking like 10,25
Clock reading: 5,12
